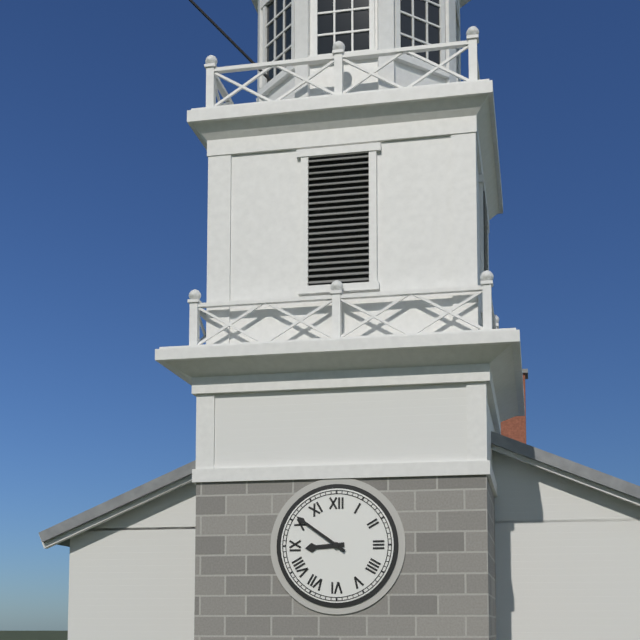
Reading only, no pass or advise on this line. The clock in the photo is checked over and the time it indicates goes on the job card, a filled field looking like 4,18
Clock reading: 8,51
